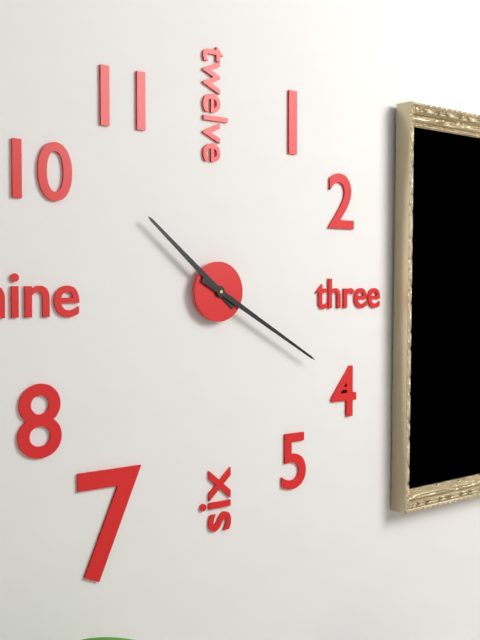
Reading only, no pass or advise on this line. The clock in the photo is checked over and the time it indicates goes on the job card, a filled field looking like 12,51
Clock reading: 10,20
